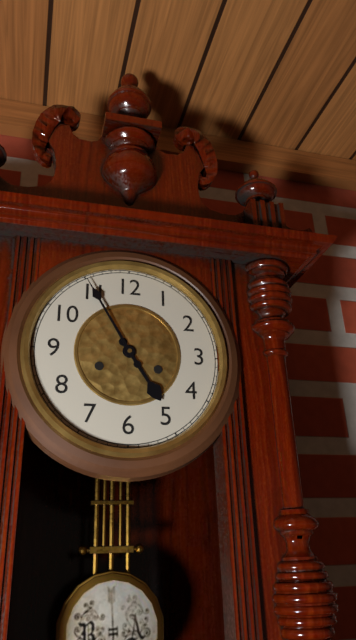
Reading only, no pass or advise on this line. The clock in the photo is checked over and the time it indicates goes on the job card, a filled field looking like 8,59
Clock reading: 4,55
